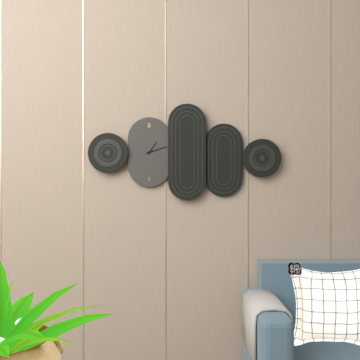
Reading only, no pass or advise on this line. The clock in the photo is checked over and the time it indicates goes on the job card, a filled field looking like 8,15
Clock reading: 1,12
